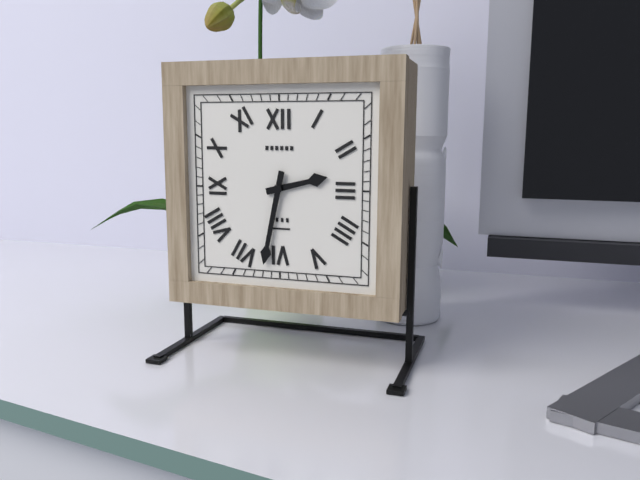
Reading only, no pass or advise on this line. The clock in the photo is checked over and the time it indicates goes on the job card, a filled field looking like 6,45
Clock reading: 2,32
